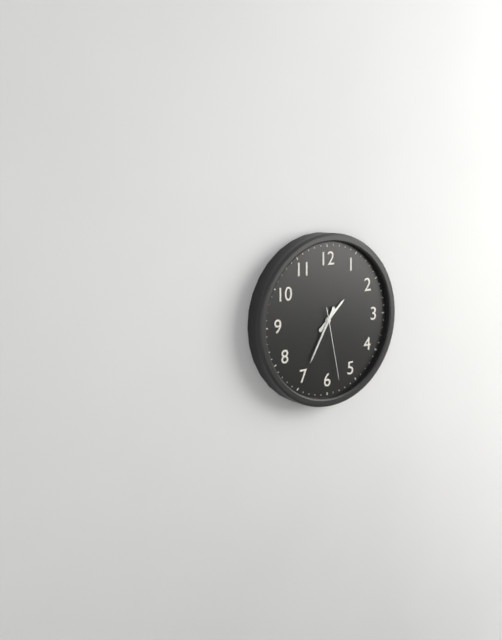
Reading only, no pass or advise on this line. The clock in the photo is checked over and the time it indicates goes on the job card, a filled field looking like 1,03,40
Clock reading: 1,35,28
